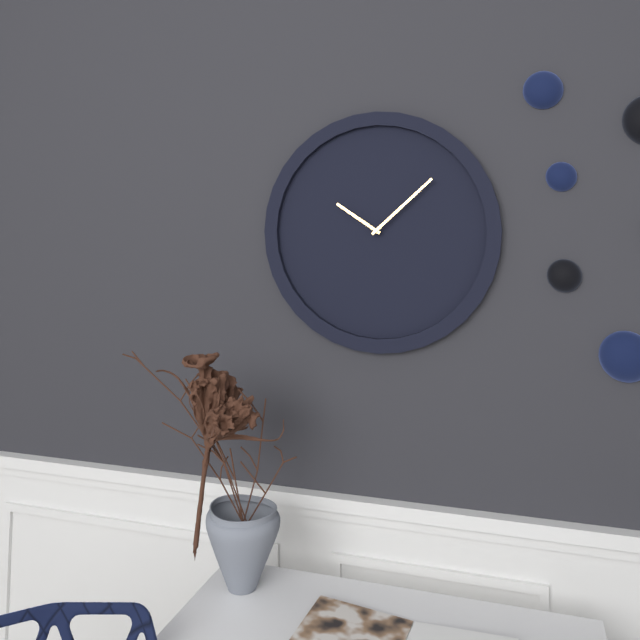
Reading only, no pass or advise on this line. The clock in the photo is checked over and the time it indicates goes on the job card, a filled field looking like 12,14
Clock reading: 10,08
